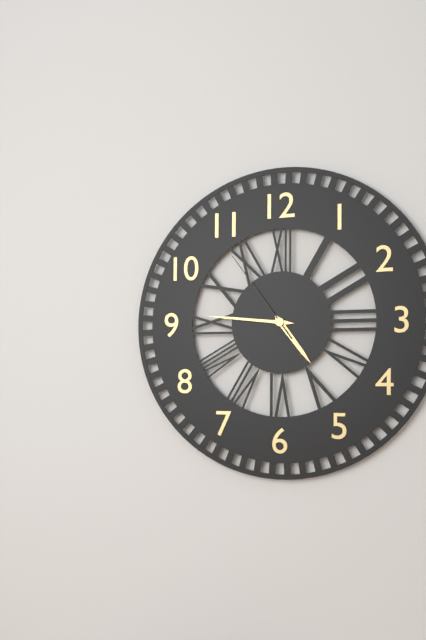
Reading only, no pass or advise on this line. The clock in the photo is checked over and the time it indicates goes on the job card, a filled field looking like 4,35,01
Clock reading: 4,46,54
